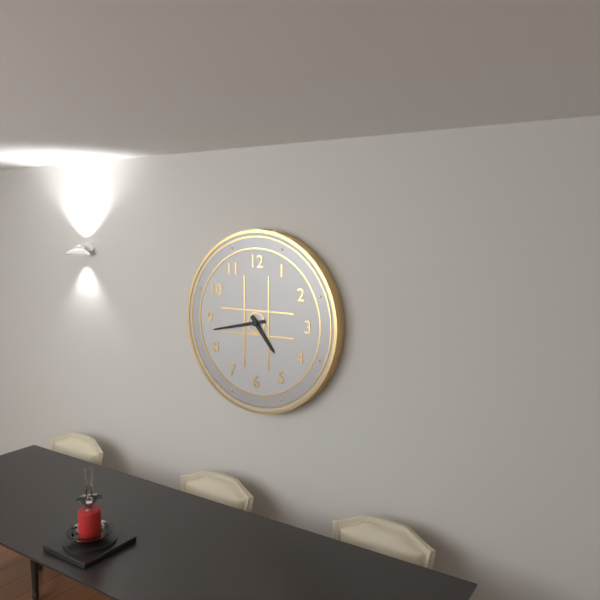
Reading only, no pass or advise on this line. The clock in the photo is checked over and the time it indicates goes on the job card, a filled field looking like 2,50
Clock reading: 4,43
